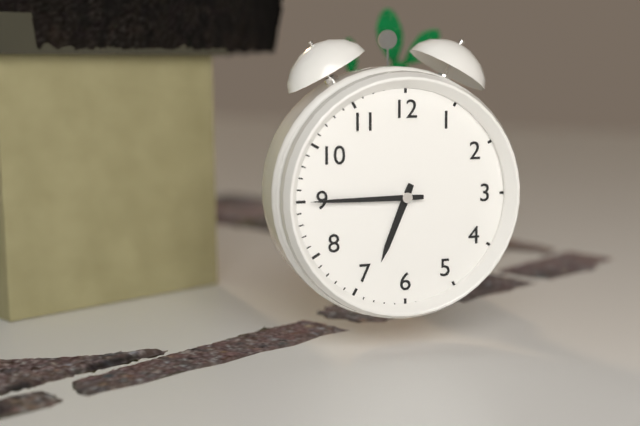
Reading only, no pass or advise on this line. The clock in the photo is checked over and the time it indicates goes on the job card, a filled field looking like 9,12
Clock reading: 6,45
